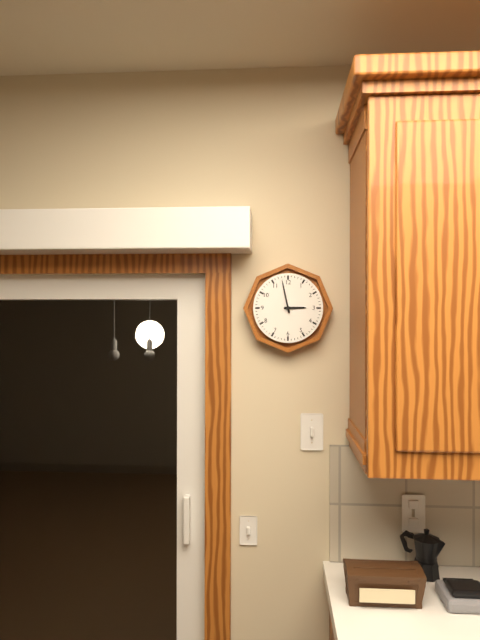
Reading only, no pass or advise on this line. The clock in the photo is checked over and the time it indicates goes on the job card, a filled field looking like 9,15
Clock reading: 2,58
